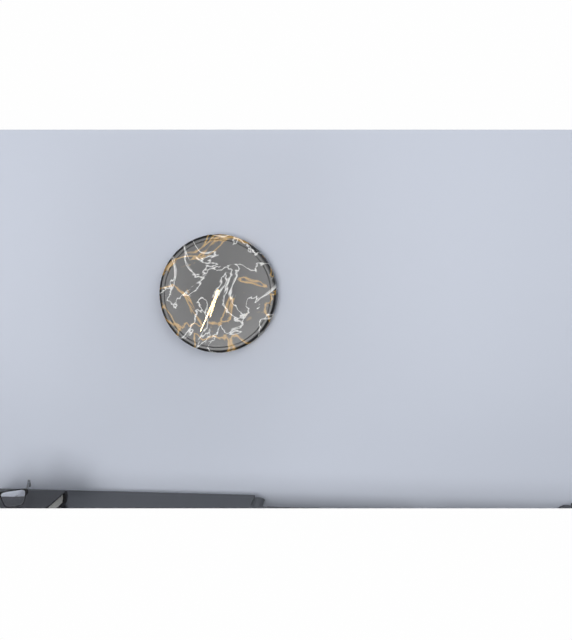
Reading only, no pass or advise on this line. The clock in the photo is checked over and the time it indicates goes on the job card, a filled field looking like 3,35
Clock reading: 6,34
